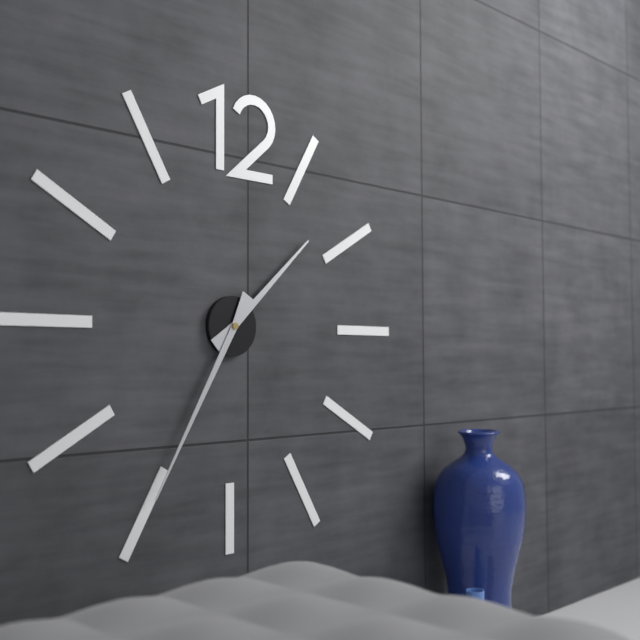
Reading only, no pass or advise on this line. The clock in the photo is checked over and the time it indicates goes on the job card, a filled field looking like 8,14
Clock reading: 1,35
